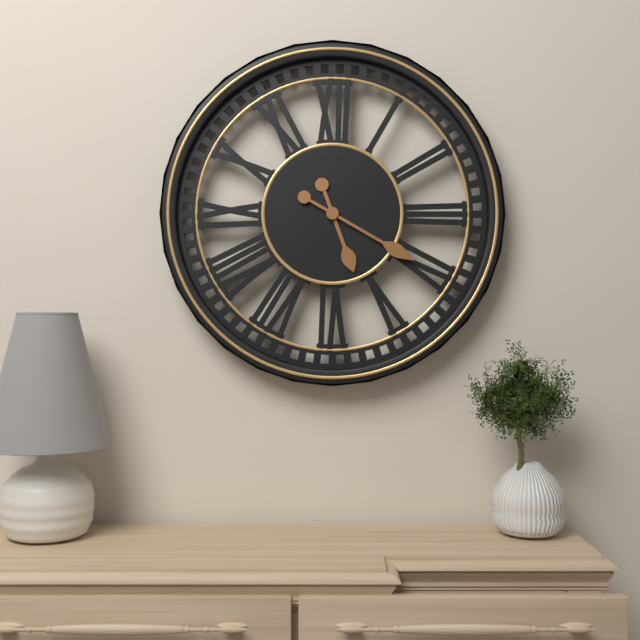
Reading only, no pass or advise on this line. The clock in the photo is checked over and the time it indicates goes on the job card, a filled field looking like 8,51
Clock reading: 5,20
